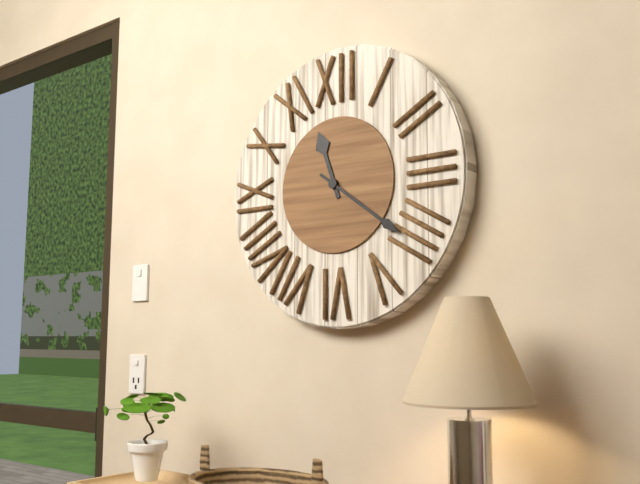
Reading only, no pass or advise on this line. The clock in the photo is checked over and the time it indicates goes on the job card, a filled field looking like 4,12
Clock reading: 11,21
